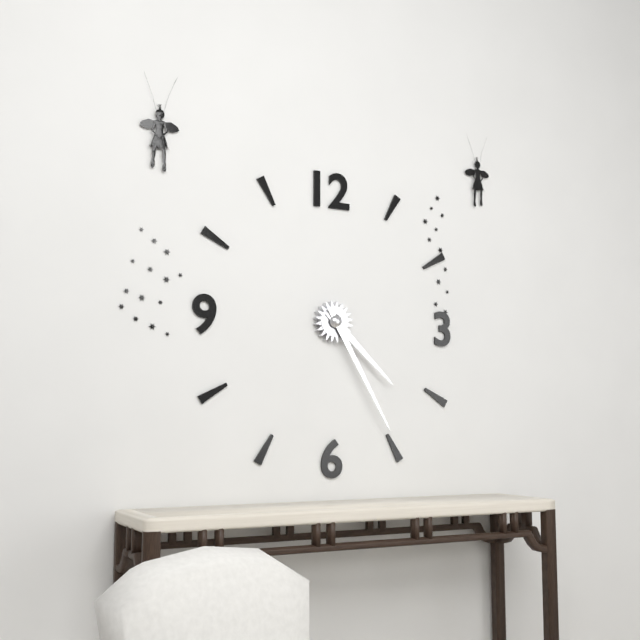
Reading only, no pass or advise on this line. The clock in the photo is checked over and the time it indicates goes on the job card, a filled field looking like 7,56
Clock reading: 4,25
